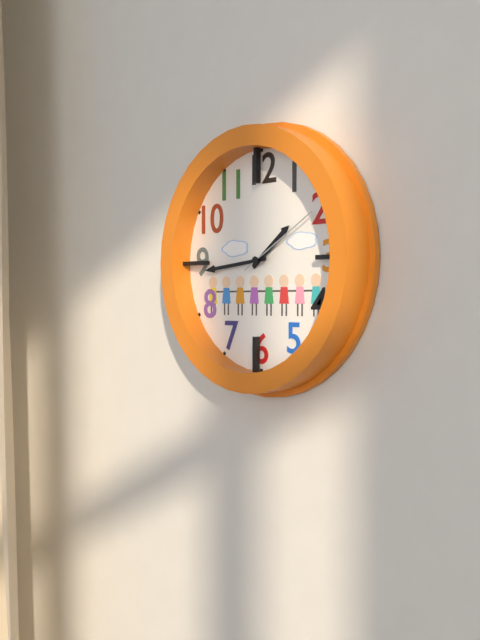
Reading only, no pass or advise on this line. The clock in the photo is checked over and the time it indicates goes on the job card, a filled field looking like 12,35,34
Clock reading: 1,44,10
